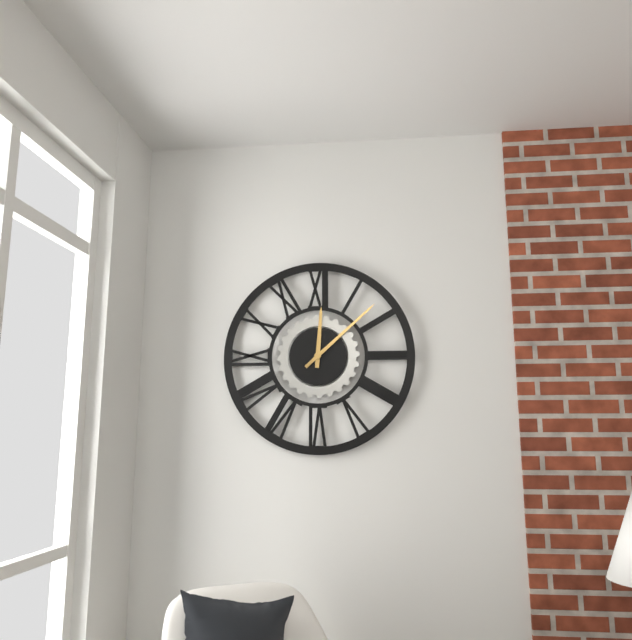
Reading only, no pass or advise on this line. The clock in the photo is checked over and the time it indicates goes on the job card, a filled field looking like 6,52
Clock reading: 12,08
